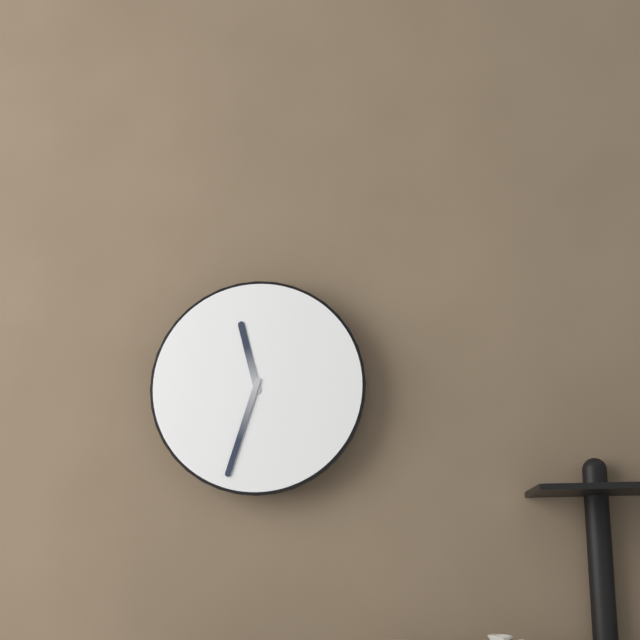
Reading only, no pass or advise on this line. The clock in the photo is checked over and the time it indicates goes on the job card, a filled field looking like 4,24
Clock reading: 11,33
